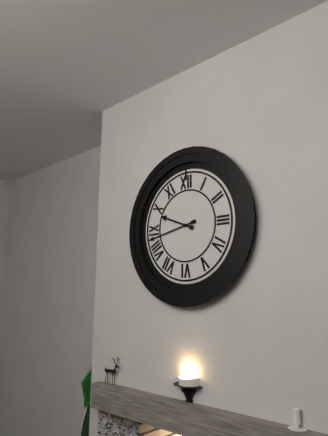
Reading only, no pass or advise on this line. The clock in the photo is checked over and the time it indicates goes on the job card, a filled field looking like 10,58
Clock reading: 9,43
